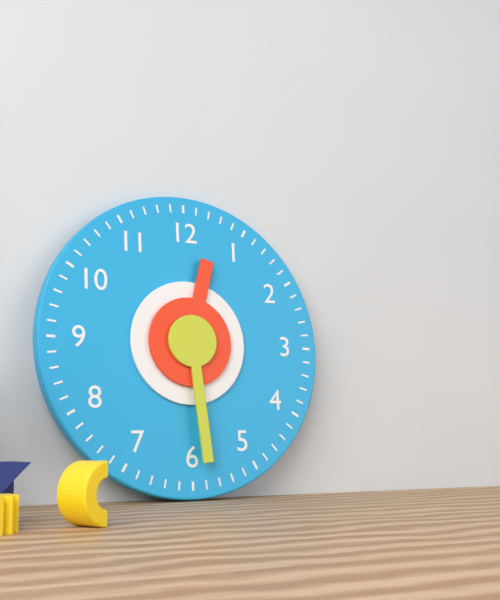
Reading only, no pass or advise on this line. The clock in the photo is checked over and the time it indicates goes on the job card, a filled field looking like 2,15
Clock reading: 12,29
